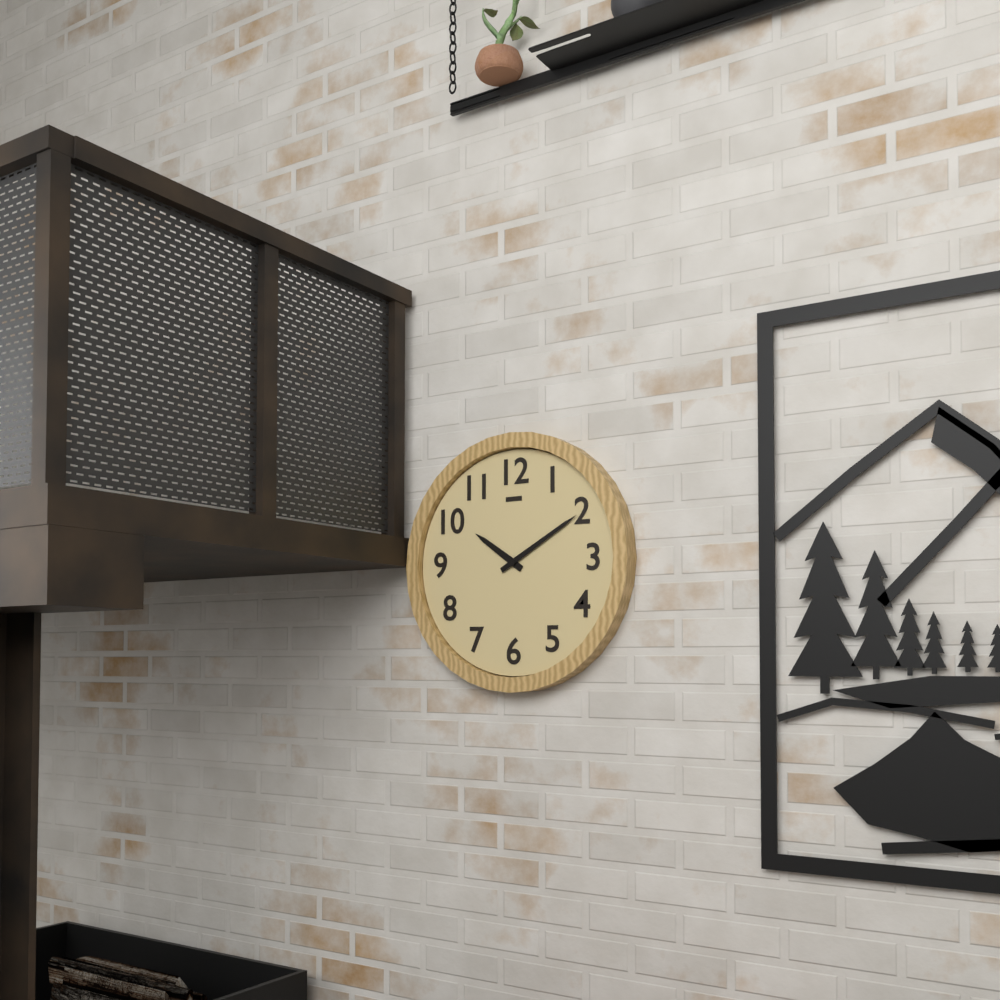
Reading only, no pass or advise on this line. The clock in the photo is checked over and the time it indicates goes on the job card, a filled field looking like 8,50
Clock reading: 10,10
